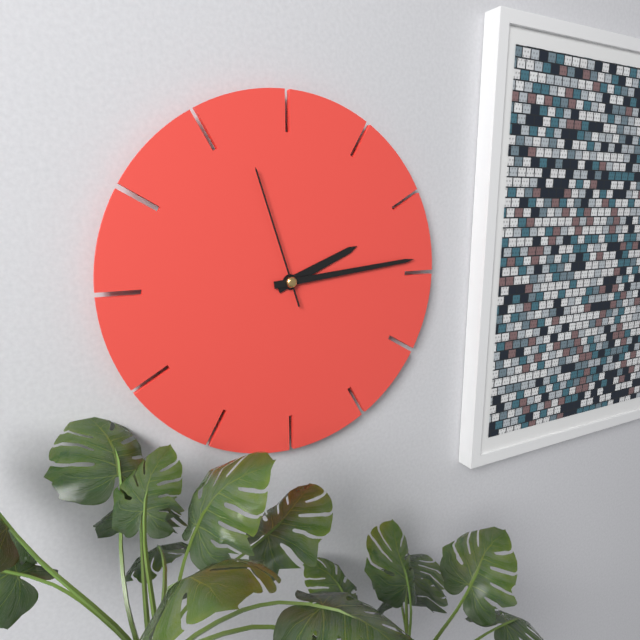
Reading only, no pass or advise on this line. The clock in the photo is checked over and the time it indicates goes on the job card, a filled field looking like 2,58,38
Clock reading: 2,14,57
